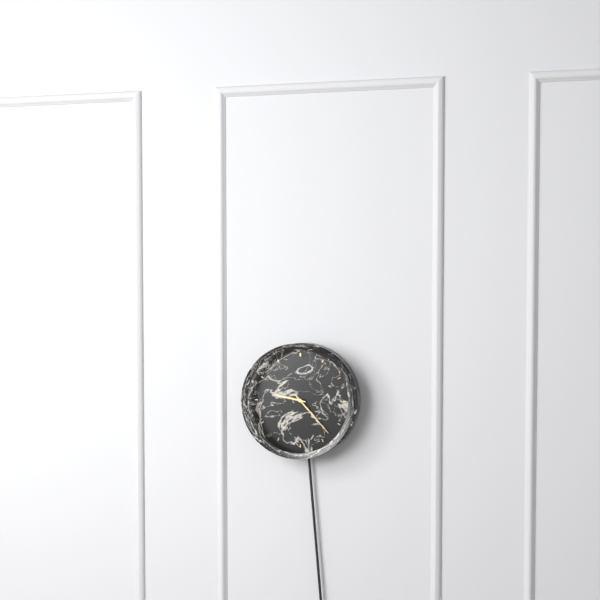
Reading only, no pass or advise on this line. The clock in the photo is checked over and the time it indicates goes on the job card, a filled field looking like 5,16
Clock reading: 9,23
